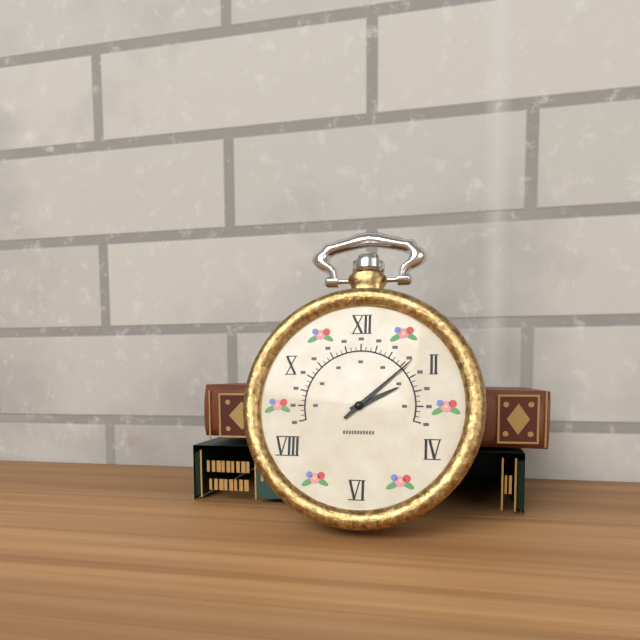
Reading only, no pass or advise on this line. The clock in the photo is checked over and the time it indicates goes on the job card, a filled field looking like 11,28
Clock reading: 2,08
